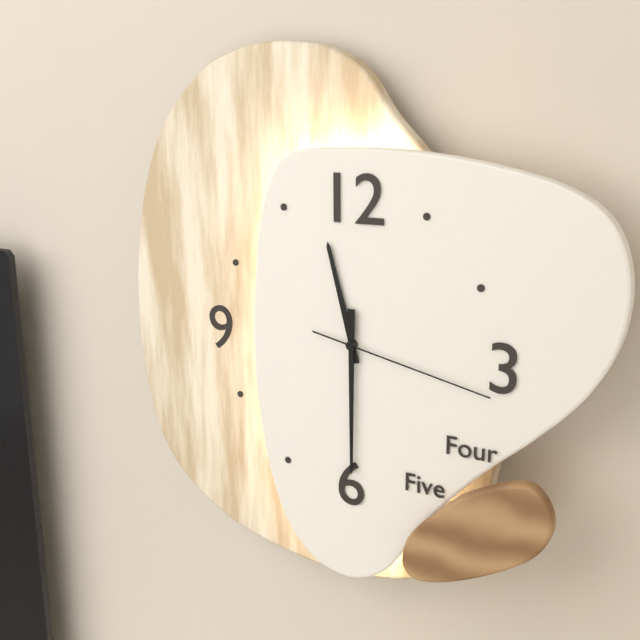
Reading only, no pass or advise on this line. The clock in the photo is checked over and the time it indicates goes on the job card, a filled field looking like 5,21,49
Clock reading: 11,30,17
